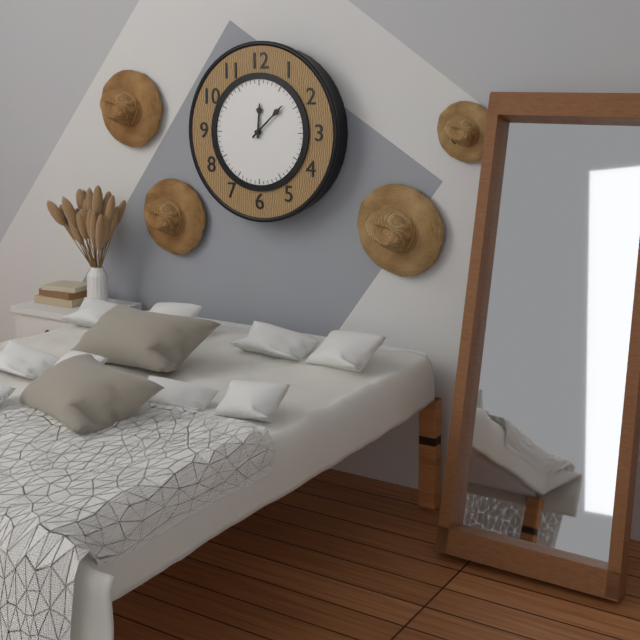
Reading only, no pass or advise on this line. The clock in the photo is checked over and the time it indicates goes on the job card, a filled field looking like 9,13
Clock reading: 12,08
